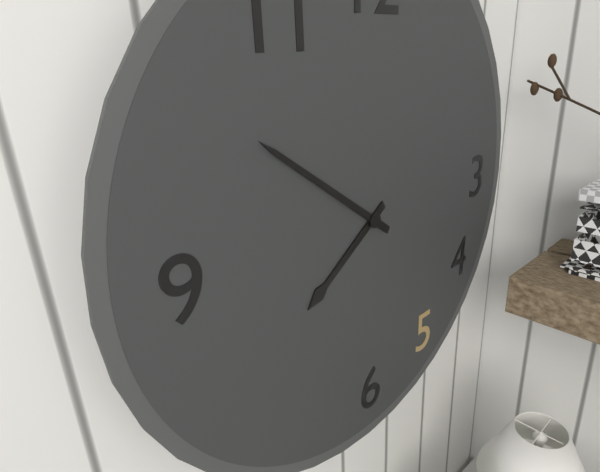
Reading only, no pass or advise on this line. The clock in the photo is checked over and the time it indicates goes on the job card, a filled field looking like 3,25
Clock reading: 7,51
